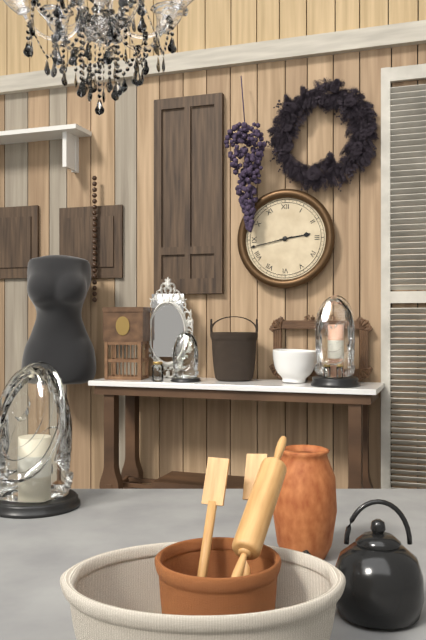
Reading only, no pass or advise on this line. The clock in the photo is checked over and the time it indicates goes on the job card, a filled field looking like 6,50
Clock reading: 2,43
